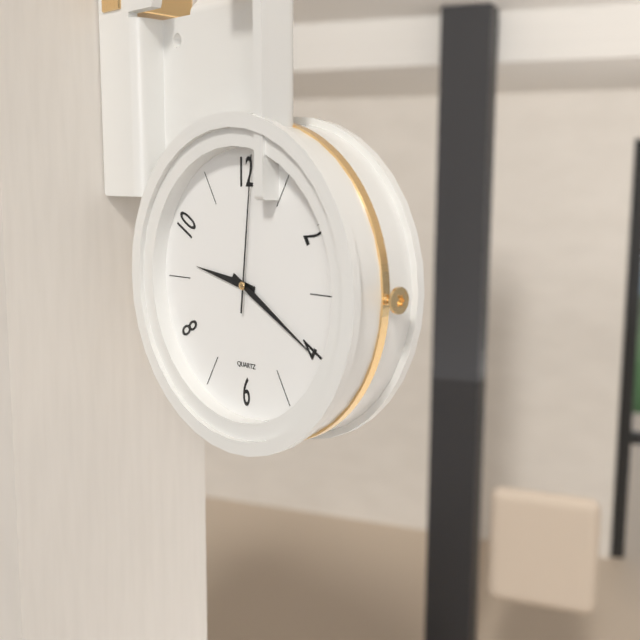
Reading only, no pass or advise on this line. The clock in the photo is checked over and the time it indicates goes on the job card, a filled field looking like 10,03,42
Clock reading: 9,20,01
